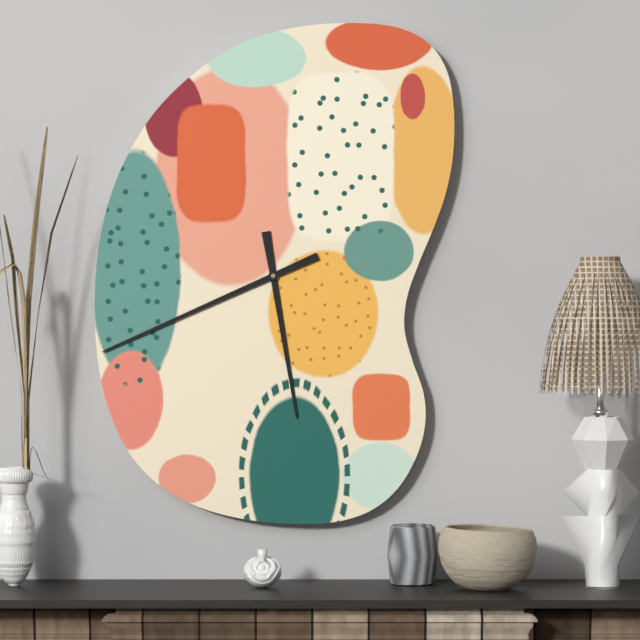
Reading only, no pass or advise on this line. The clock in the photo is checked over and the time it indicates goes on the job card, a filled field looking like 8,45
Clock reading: 5,41
